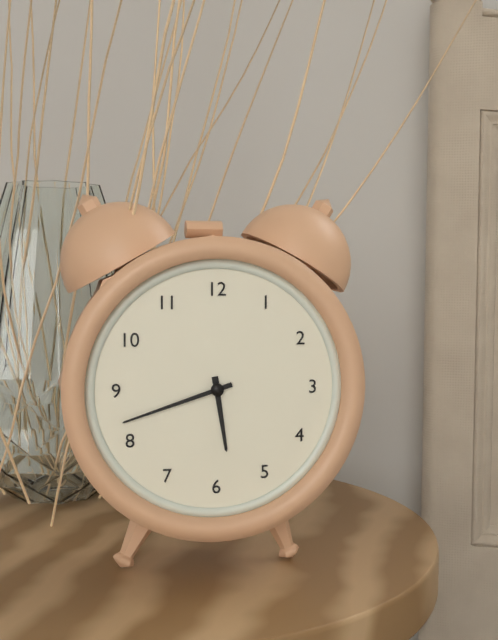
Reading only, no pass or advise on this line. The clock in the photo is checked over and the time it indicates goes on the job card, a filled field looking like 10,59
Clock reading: 5,42
